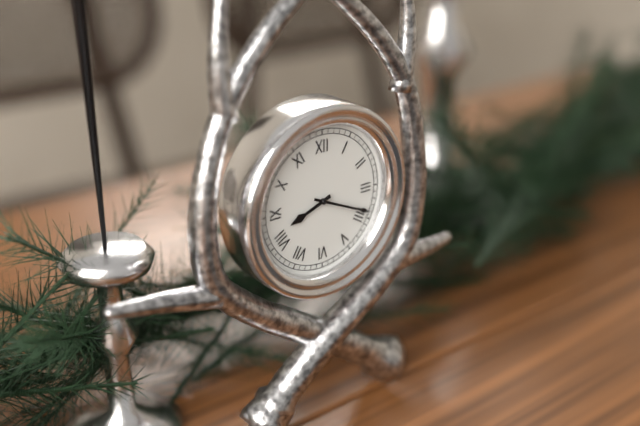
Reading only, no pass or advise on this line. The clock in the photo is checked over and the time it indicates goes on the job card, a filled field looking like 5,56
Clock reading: 8,19
